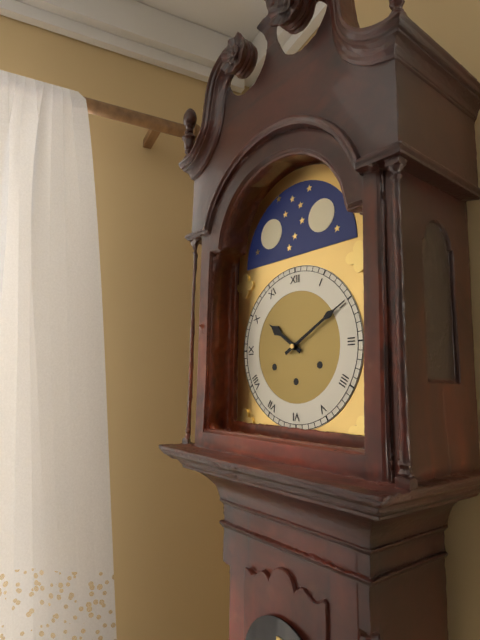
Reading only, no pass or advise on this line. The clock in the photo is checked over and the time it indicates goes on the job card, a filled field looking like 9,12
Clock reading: 10,10
